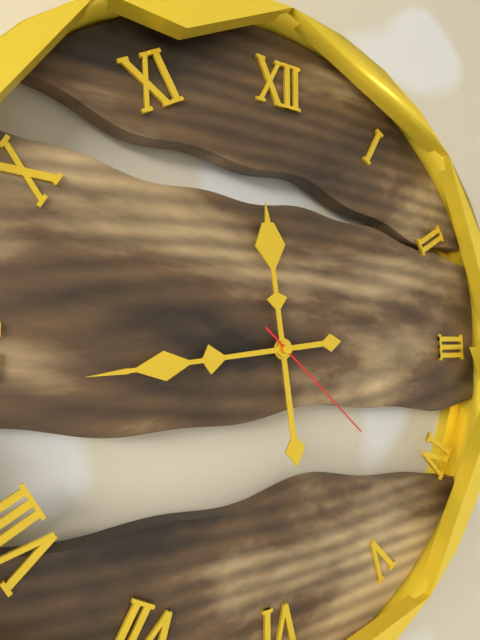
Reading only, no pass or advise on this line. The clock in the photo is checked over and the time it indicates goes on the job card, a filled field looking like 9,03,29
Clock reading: 11,44,22
